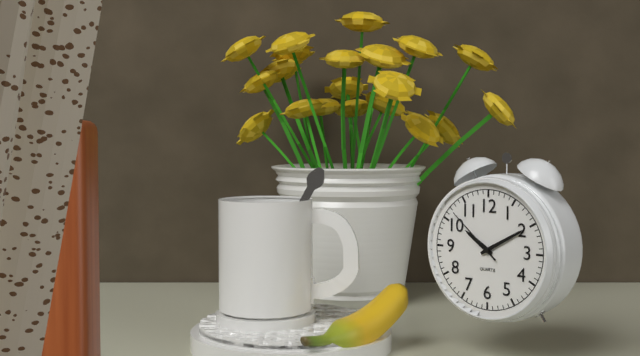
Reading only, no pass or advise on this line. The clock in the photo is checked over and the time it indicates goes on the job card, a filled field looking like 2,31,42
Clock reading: 10,10,52
